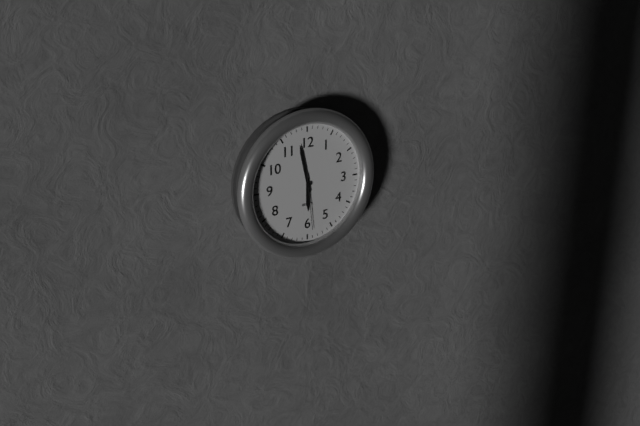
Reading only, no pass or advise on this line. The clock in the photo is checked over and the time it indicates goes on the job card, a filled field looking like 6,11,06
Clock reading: 5,58,29
